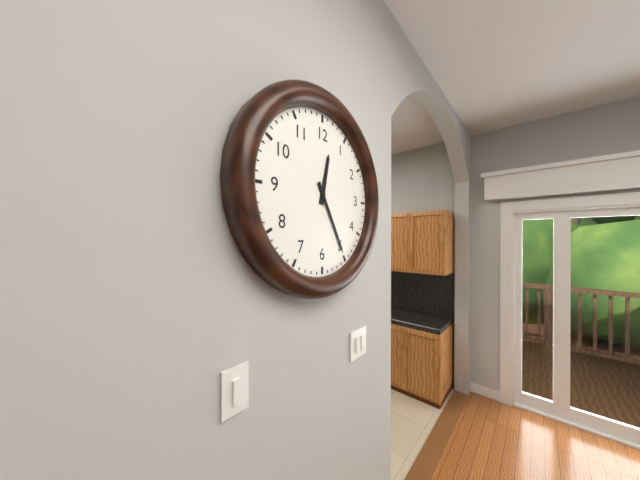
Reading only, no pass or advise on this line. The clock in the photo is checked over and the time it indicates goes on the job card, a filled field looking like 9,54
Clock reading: 12,25
